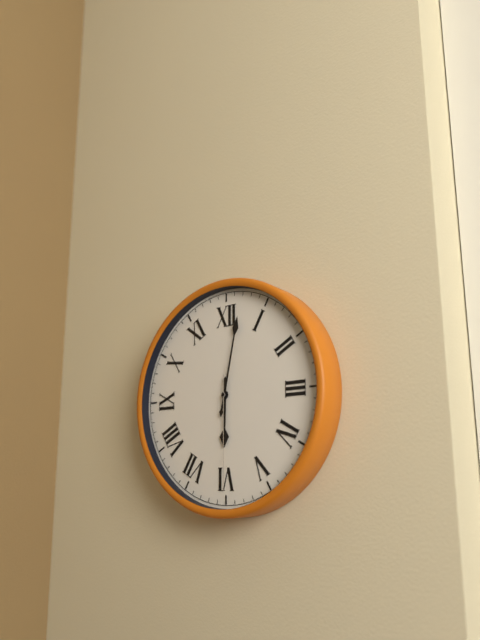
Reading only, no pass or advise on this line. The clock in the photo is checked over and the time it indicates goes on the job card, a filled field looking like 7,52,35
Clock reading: 6,02,30
